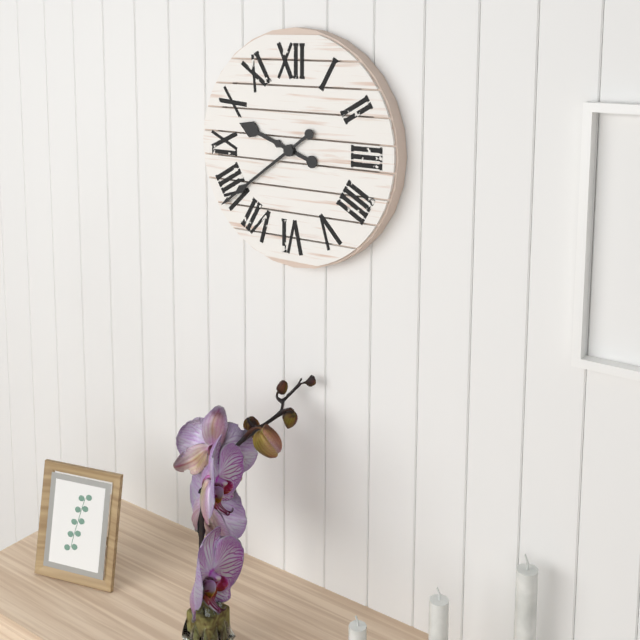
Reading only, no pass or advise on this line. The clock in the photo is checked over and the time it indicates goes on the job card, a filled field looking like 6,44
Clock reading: 9,39
